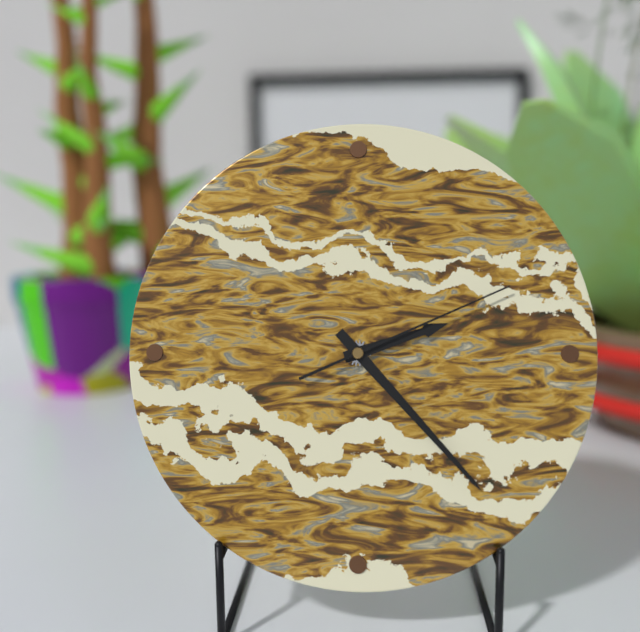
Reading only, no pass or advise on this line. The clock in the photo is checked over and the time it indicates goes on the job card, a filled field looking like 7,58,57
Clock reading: 2,23,11
